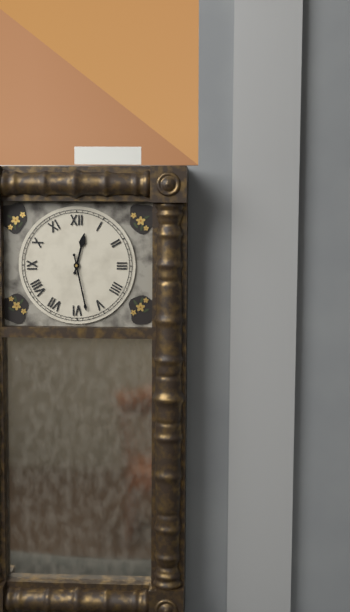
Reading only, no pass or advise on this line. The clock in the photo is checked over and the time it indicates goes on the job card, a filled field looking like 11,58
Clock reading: 12,28
